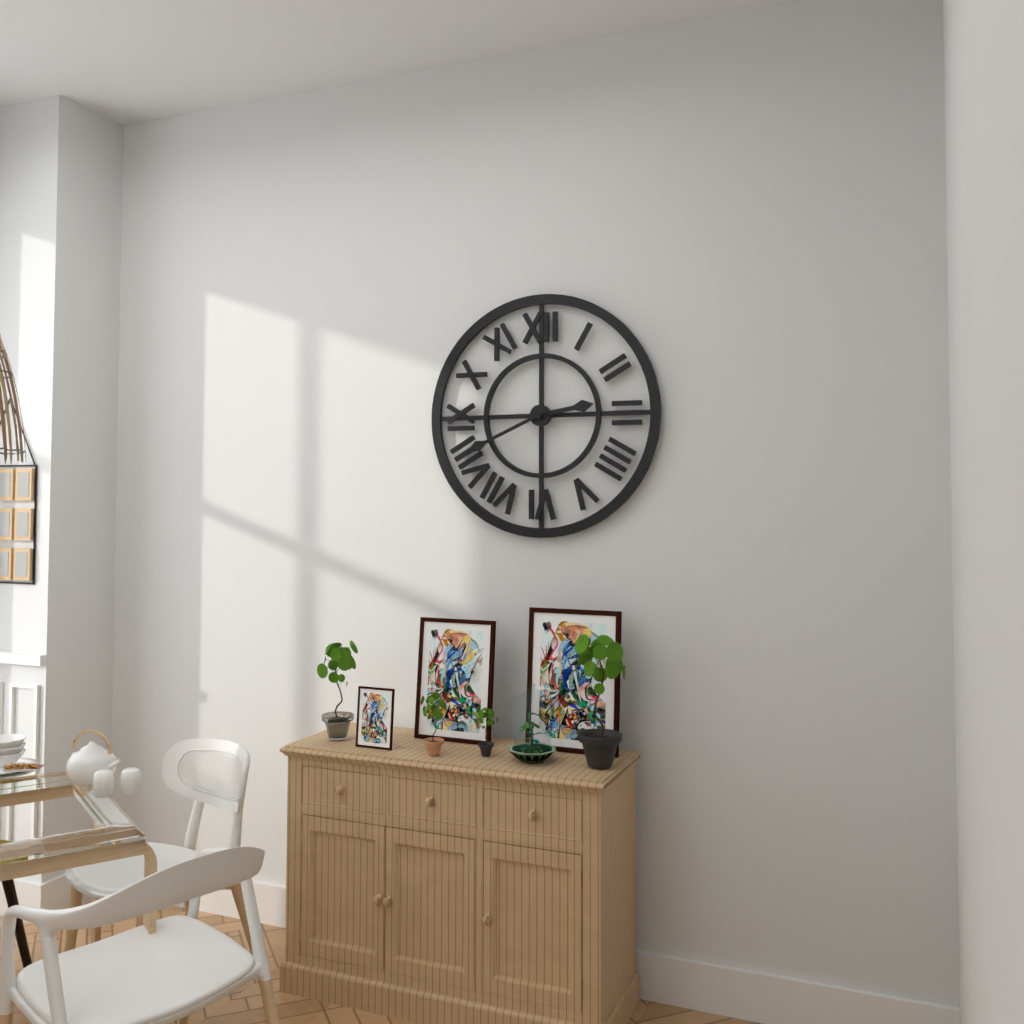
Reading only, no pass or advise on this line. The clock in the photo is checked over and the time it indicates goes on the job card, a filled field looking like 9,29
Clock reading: 2,41
